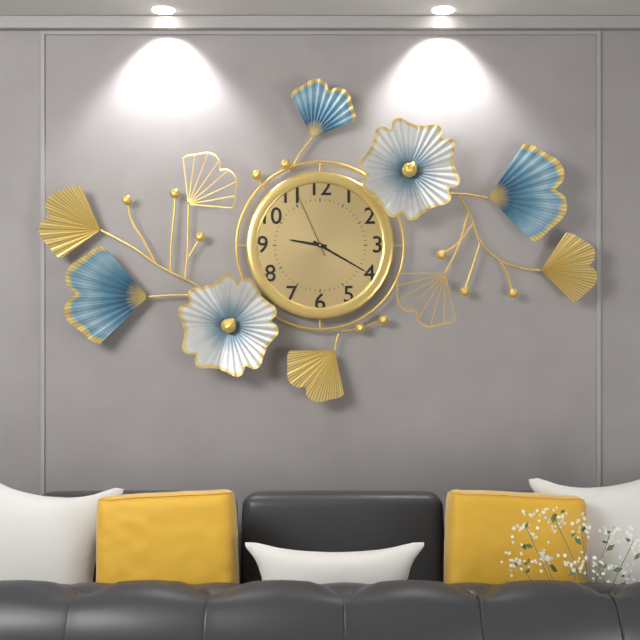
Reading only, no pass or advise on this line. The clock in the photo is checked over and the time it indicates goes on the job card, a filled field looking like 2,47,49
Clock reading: 9,20,56
